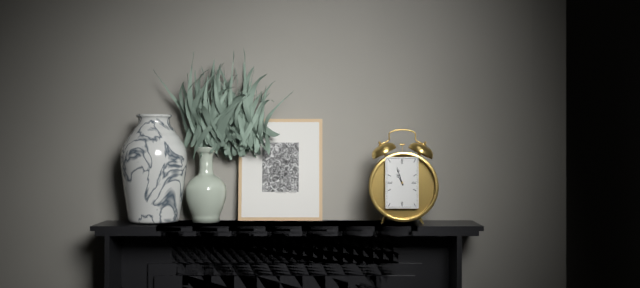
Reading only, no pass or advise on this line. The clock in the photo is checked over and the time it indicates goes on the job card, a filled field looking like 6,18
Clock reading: 10,57
